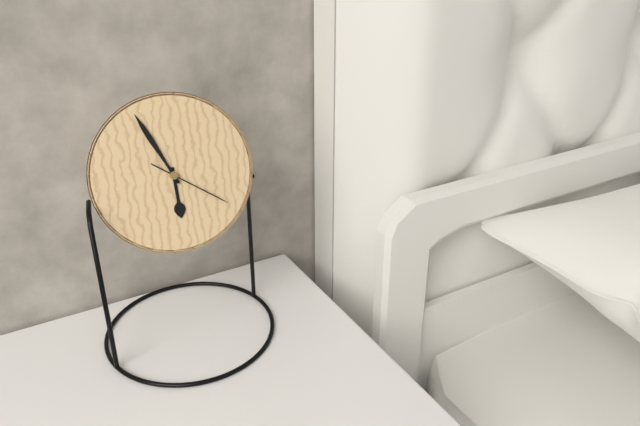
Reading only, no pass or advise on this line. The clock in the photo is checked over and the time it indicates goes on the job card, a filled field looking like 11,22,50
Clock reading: 5,56,21
